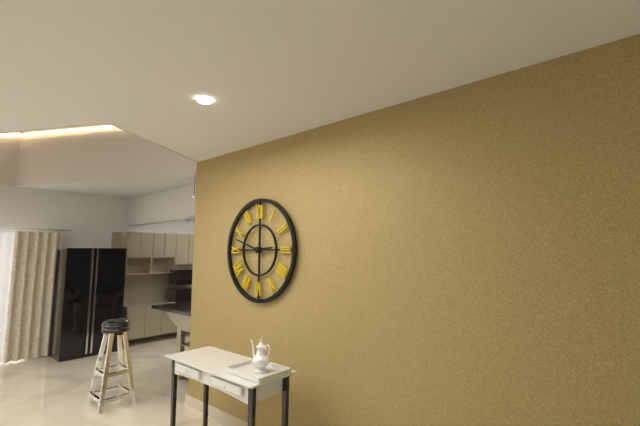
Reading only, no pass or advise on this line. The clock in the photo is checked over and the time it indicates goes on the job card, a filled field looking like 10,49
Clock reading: 2,48
